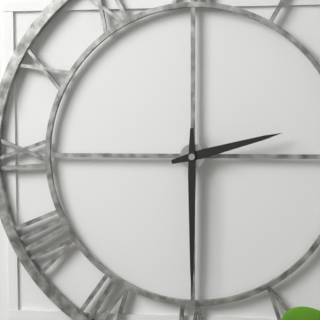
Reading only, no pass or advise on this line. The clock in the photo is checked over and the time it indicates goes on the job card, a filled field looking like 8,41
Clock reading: 2,30
